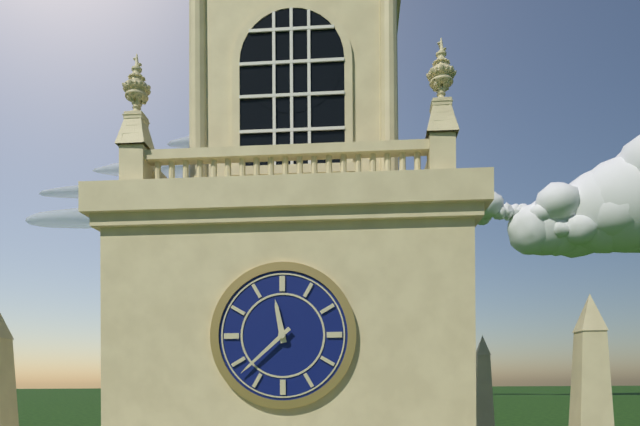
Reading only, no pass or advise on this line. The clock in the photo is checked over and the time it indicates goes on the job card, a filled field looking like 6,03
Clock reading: 11,38
